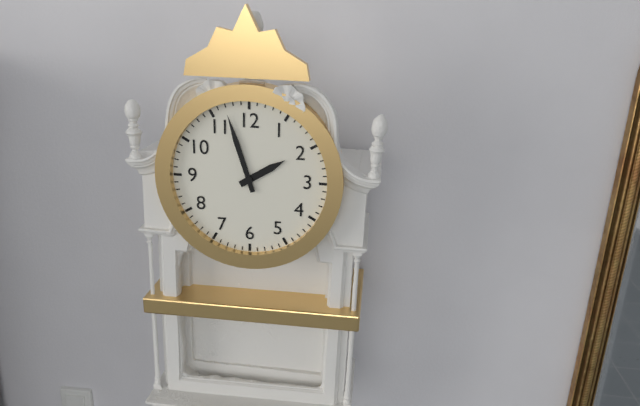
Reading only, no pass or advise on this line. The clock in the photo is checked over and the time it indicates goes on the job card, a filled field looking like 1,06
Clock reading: 1,57
